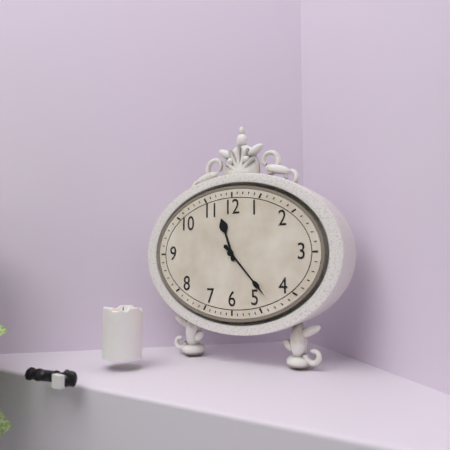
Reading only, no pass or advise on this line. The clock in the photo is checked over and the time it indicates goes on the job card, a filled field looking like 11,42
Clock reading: 11,23
